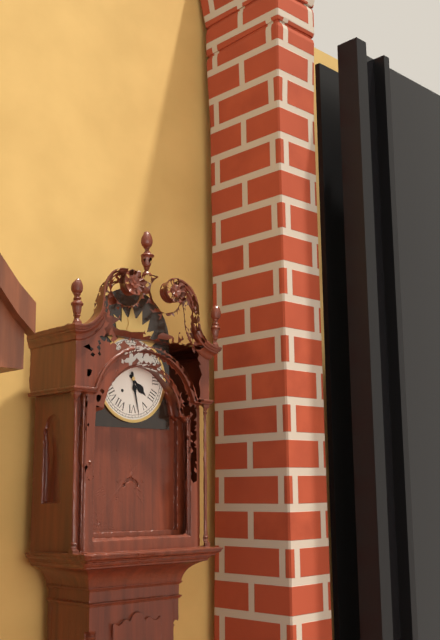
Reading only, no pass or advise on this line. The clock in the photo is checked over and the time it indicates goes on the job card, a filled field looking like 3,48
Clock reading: 4,28
